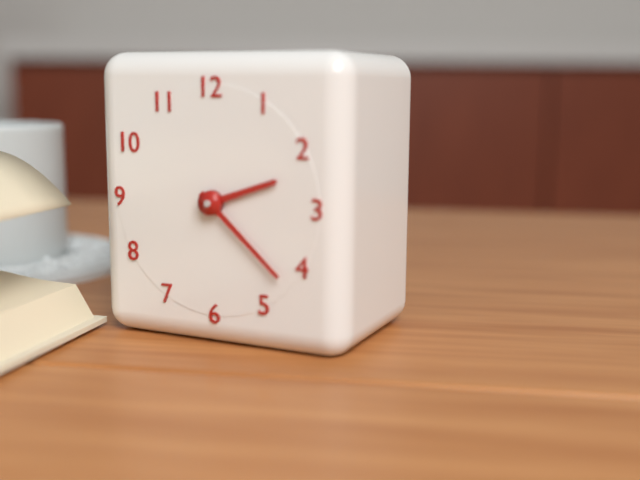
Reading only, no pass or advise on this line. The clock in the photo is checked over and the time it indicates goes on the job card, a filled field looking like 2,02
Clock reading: 2,22
